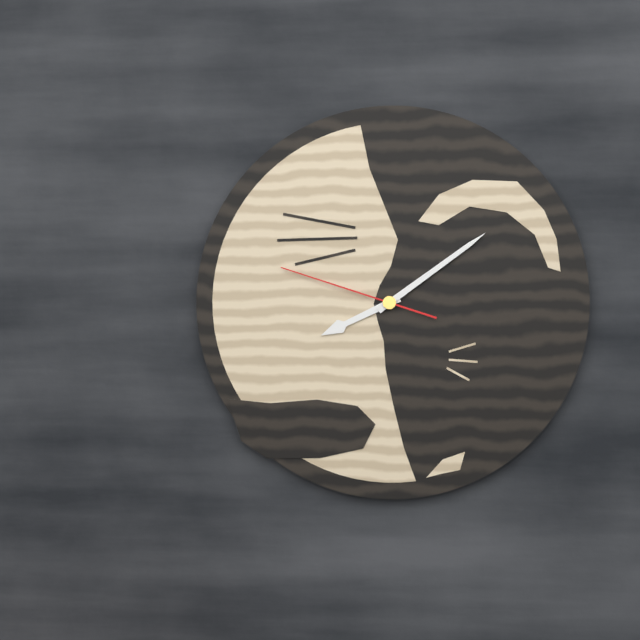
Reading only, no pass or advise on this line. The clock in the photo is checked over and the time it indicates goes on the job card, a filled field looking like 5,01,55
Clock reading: 8,09,48
